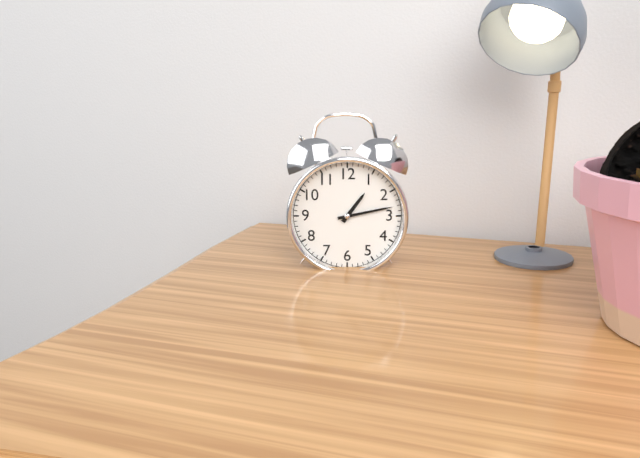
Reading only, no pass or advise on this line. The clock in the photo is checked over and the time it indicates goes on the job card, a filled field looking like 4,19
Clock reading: 1,13
